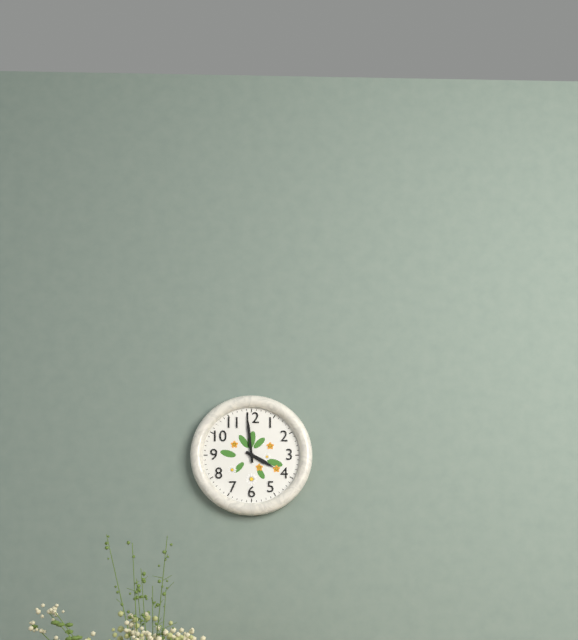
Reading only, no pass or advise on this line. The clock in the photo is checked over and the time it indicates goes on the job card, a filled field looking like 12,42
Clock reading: 3,59
